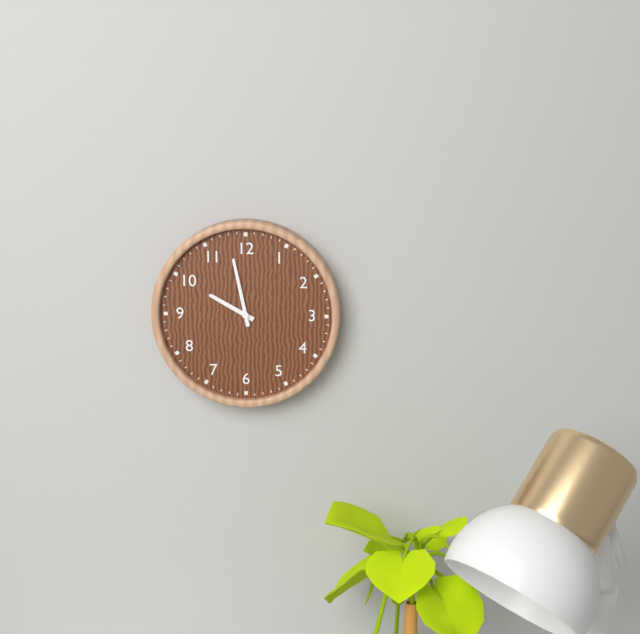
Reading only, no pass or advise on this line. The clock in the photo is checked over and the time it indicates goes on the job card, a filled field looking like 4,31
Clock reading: 9,58
